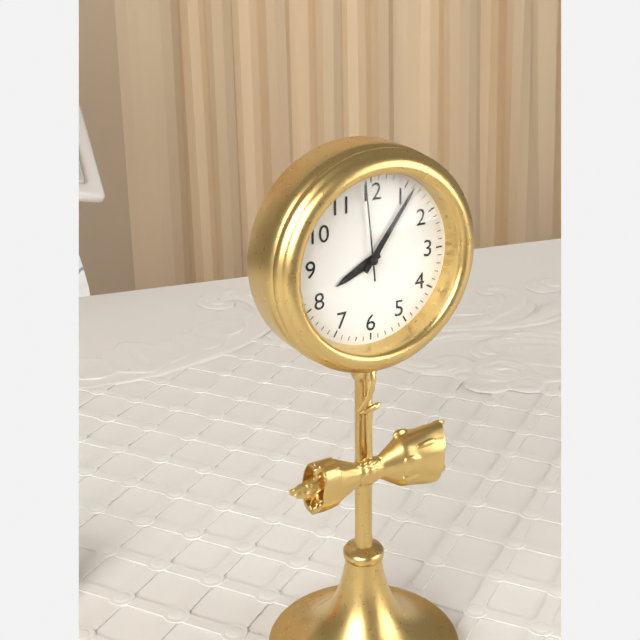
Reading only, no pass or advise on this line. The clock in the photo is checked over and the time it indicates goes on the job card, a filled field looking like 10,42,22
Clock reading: 8,06,59
